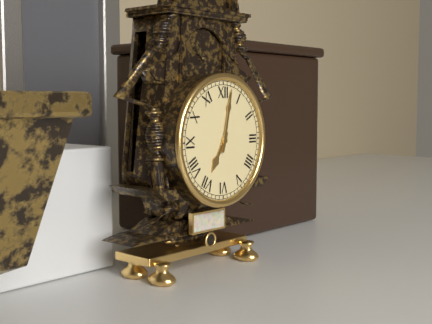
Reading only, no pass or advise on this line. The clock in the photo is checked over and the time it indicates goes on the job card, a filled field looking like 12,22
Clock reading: 7,02
